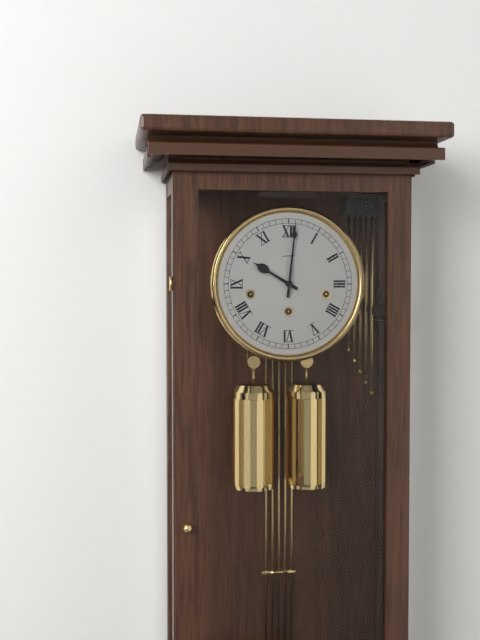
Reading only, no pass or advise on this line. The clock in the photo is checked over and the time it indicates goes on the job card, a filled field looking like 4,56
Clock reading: 10,01
